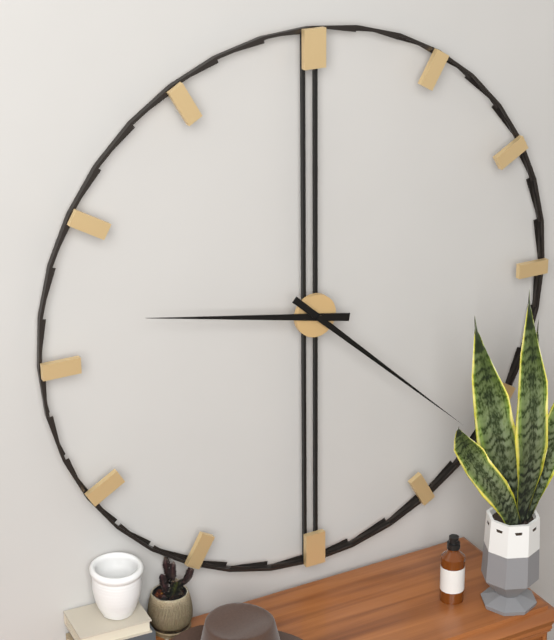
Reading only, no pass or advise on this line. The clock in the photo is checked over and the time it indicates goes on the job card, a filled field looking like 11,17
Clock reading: 9,22
